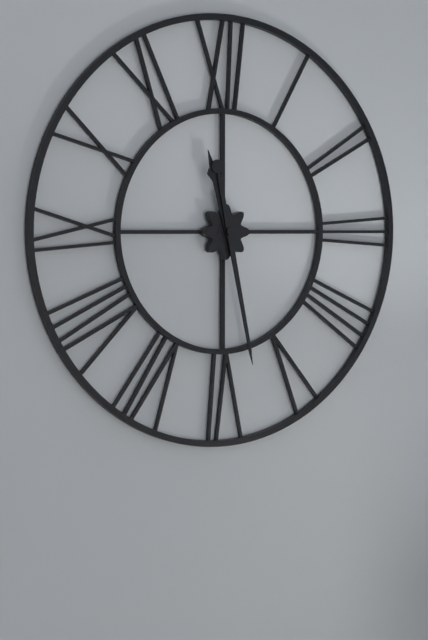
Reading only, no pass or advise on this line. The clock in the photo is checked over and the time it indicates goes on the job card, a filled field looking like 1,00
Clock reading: 11,28
